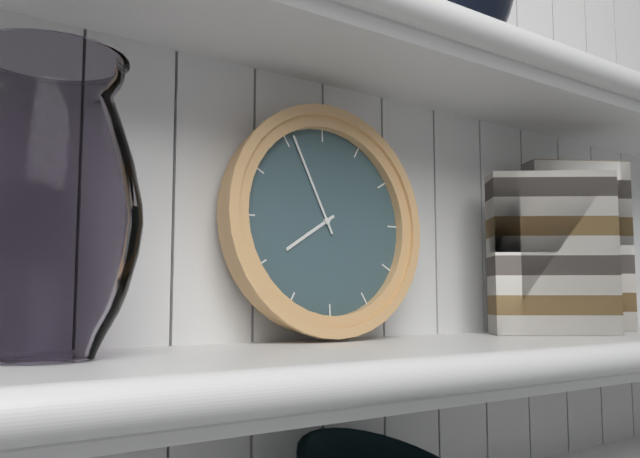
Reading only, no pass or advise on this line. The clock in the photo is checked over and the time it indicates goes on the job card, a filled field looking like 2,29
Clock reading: 7,56
